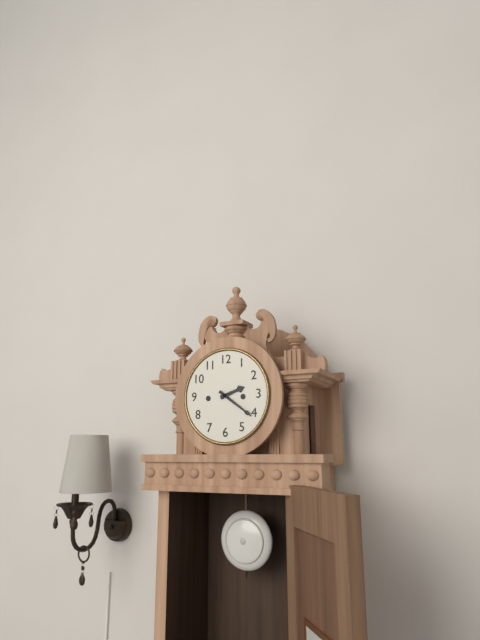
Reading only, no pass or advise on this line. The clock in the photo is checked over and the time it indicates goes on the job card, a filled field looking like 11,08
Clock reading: 2,21
